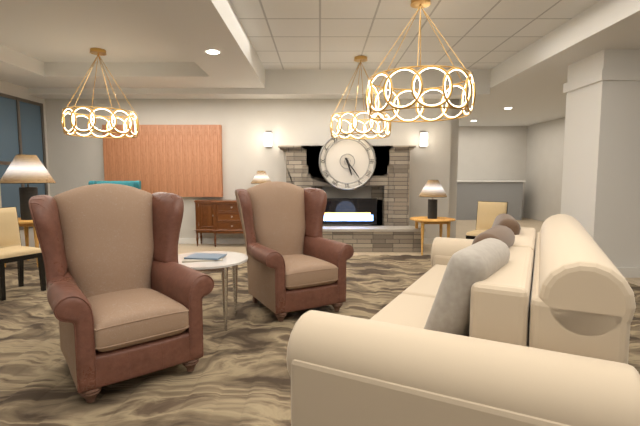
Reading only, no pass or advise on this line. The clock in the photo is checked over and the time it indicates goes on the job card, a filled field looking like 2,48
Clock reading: 5,24
